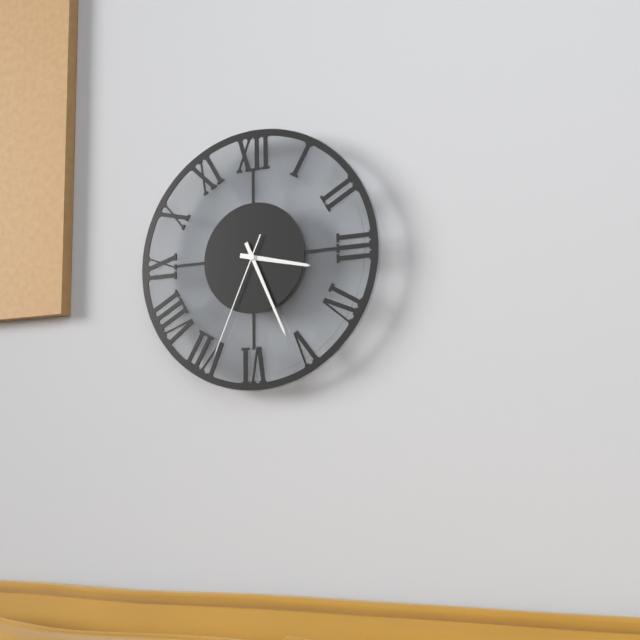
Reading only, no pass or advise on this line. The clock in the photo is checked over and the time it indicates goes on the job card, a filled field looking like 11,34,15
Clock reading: 3,26,34
